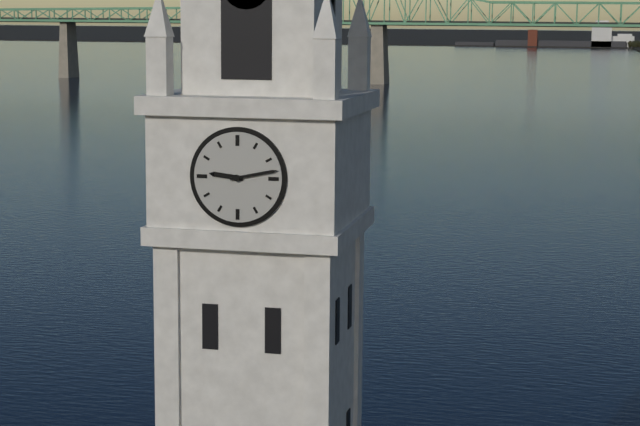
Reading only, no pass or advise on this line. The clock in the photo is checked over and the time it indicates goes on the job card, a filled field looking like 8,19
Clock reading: 9,13
